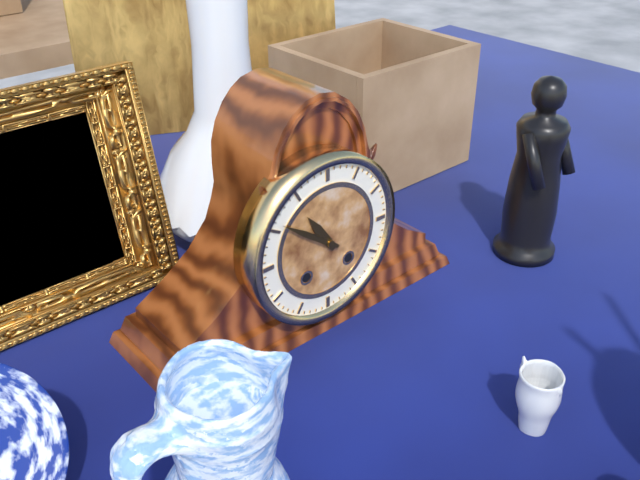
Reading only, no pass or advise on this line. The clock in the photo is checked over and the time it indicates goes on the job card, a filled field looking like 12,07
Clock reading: 10,51
